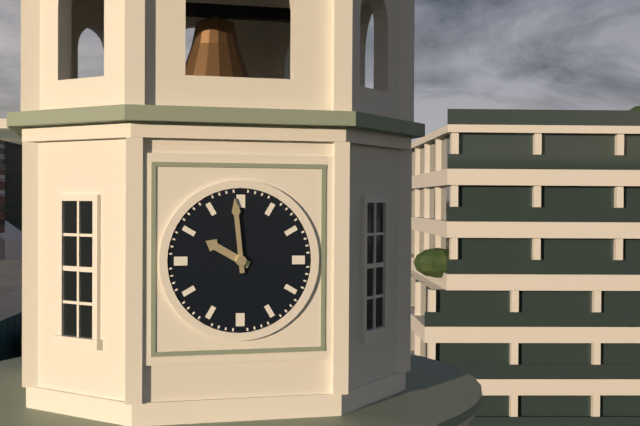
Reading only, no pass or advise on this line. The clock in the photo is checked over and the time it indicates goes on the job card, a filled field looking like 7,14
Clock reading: 9,59
